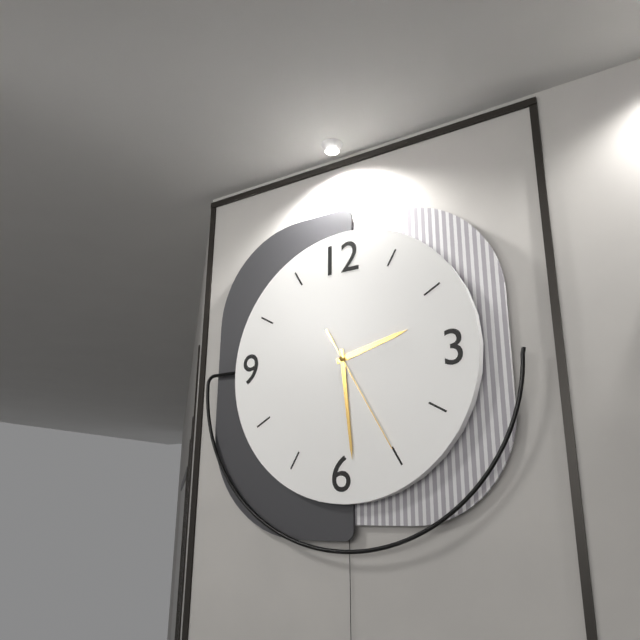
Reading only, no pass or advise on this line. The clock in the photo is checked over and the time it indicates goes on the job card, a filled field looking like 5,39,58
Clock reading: 2,29,25
